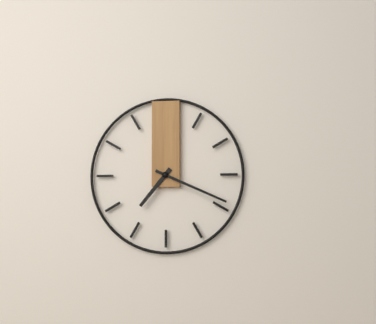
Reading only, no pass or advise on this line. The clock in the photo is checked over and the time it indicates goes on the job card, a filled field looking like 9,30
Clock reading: 7,19
